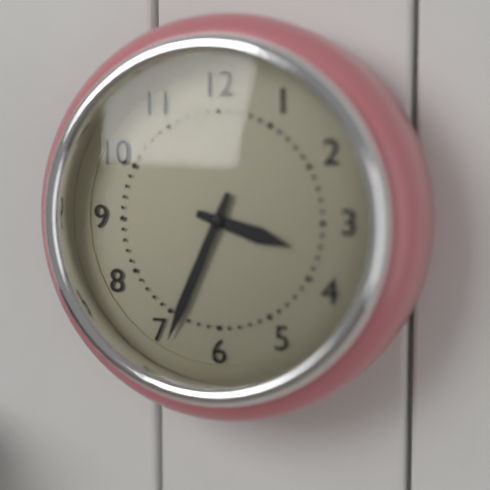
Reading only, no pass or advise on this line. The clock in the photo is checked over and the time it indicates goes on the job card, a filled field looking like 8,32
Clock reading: 3,34
